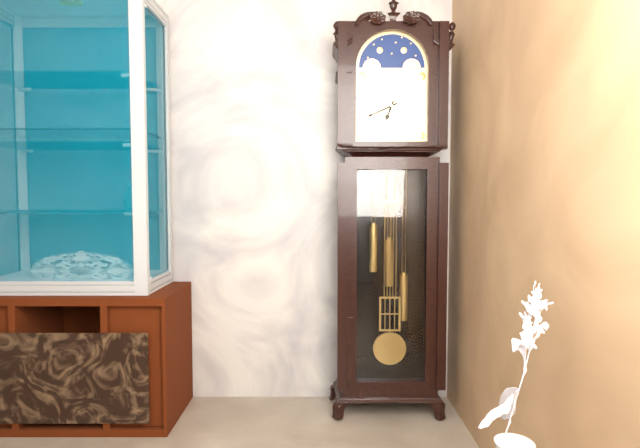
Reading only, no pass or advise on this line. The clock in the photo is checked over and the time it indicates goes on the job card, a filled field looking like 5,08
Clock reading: 6,41
